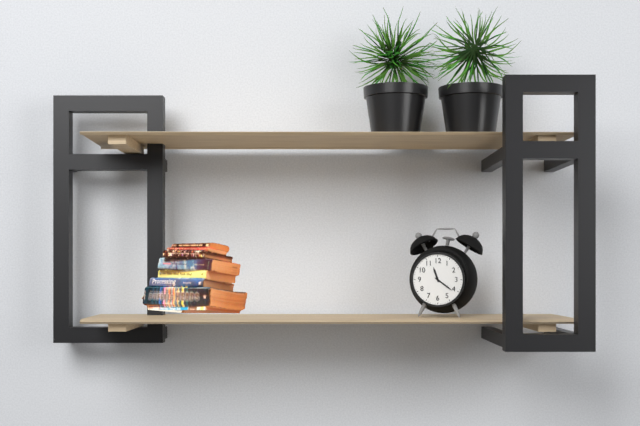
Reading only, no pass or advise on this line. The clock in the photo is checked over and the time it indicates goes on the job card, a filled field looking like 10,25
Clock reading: 11,21
